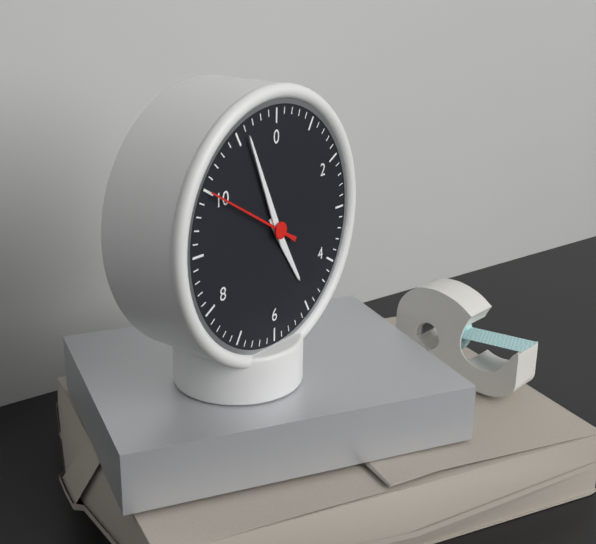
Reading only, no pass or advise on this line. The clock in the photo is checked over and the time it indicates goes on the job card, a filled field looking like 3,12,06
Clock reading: 4,56,50
